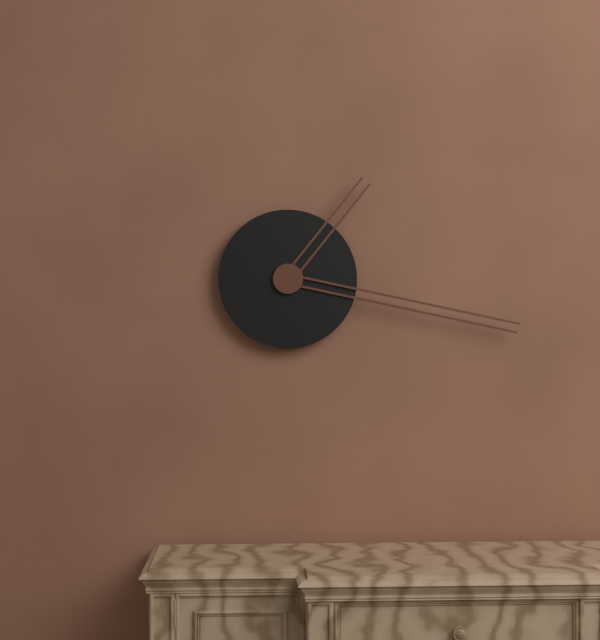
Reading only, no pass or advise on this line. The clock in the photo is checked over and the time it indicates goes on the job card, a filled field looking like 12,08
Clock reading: 1,17
